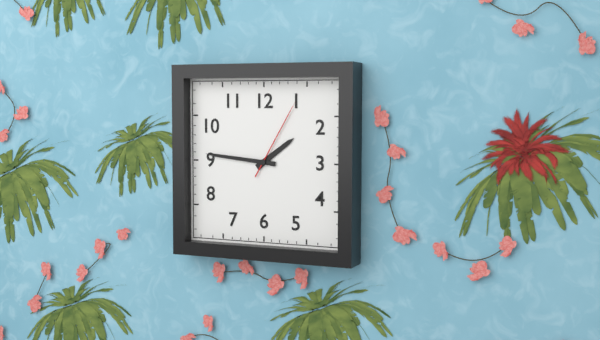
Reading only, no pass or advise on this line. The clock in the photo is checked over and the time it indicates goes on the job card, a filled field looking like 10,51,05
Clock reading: 1,46,05
